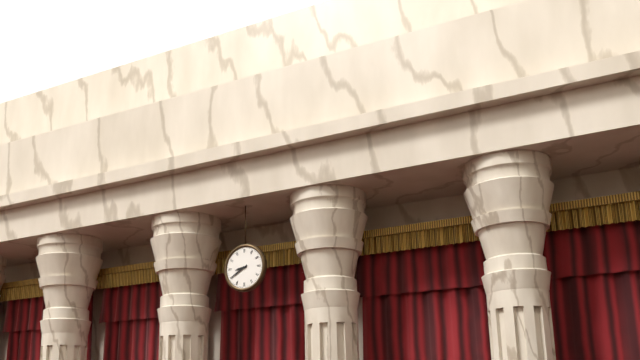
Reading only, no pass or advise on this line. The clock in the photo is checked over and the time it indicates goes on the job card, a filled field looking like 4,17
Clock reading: 8,40
